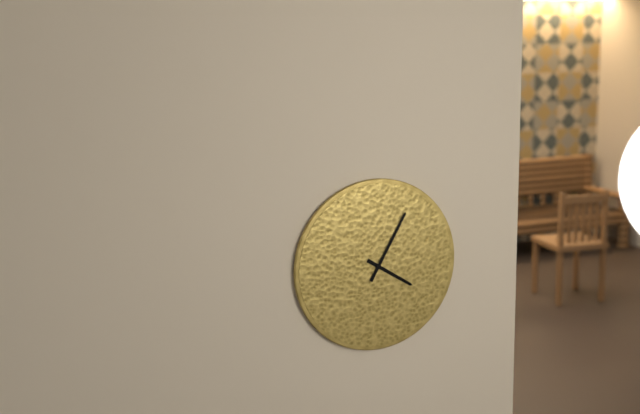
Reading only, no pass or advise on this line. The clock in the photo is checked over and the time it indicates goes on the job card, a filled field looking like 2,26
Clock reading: 4,05
